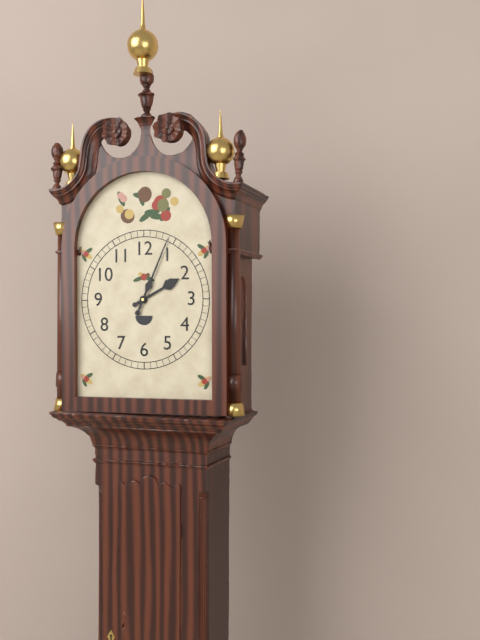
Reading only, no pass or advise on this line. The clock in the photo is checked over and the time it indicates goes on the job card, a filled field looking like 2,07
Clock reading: 2,04
